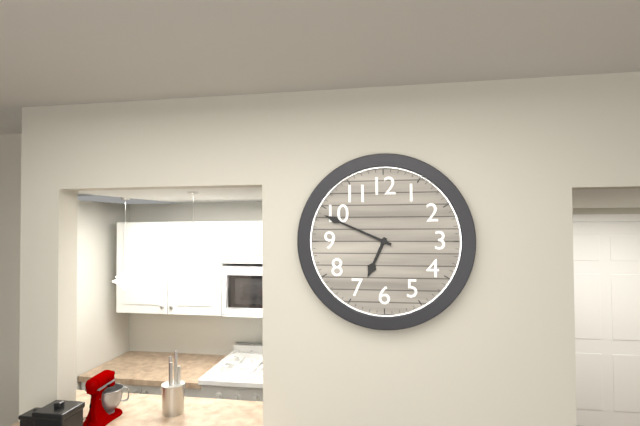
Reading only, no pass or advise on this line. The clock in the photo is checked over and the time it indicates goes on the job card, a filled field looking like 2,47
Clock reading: 6,49
